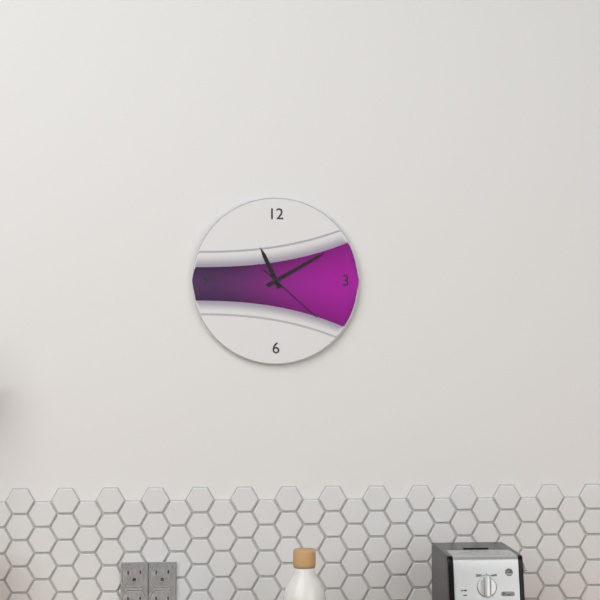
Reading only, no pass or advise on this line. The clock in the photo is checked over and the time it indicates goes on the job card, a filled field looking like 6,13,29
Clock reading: 11,10,22
